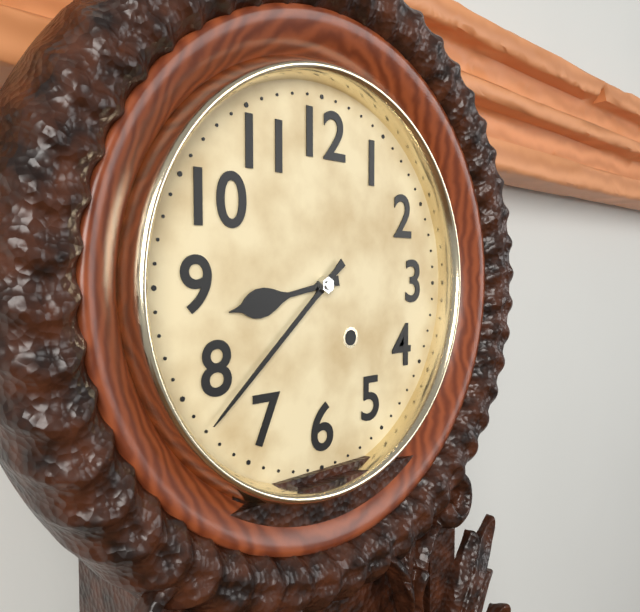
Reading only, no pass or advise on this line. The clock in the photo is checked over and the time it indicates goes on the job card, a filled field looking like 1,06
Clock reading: 8,38
